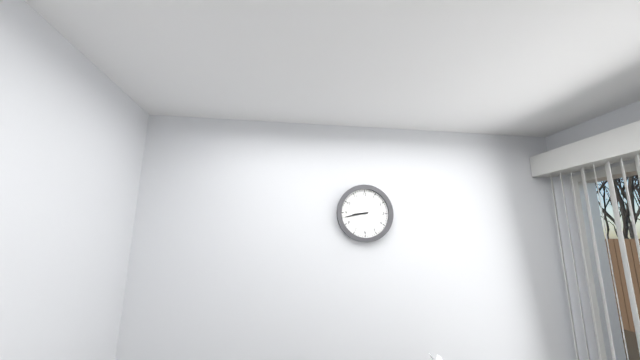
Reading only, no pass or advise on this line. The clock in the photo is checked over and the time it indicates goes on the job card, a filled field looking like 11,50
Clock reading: 8,43
